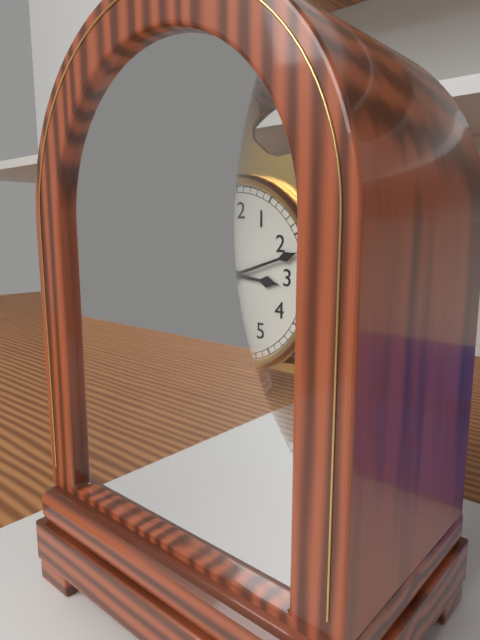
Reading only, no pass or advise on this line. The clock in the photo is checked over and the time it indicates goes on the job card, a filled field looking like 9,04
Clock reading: 3,12
